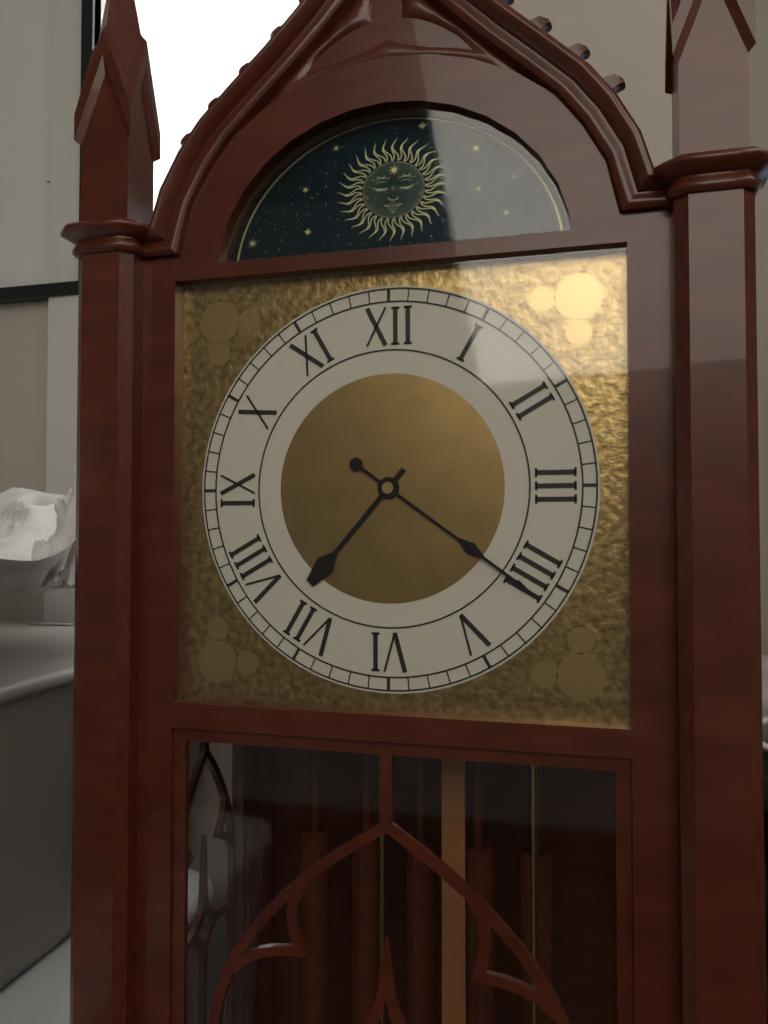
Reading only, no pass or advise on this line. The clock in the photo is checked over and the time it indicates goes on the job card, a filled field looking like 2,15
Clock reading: 7,21
